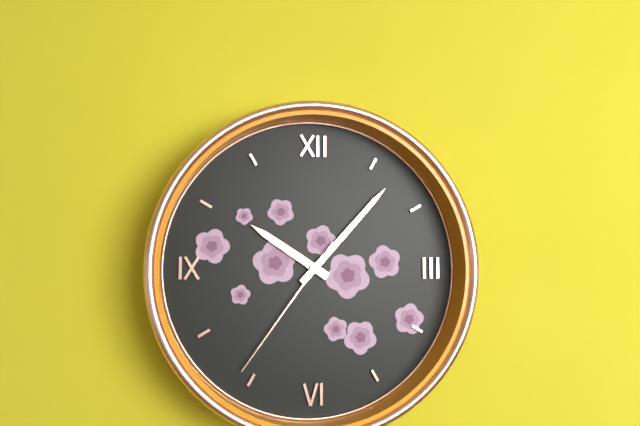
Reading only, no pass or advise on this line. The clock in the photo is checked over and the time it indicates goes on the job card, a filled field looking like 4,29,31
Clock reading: 10,07,36
